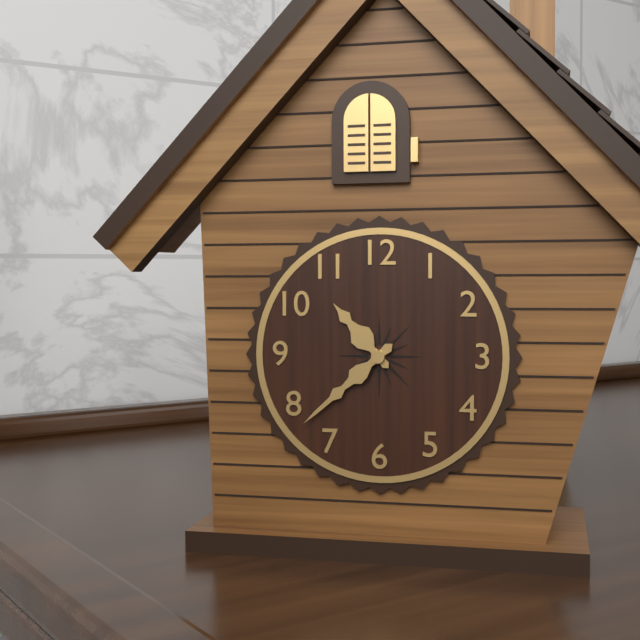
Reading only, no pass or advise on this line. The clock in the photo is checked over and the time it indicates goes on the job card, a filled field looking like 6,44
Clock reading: 10,38
